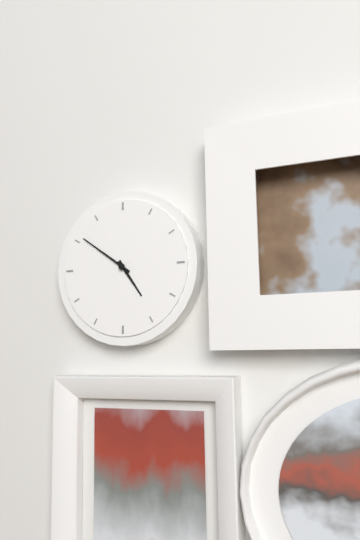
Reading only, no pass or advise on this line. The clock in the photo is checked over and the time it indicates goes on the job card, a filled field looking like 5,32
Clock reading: 4,51
